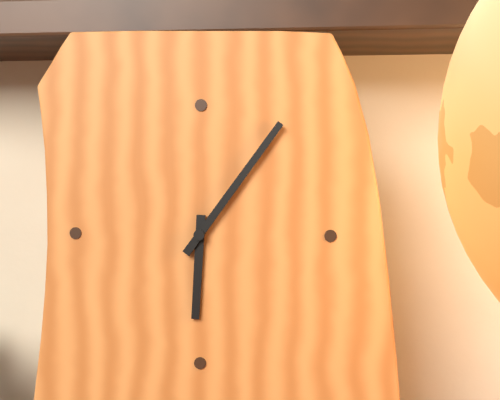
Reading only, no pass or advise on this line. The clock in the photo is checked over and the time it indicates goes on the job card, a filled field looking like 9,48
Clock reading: 6,06
